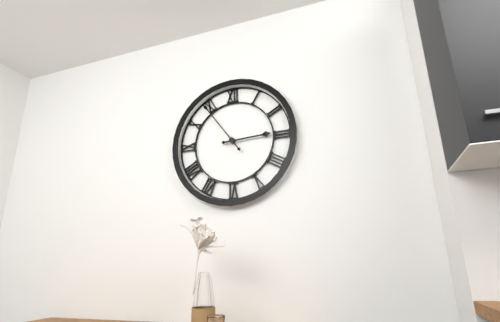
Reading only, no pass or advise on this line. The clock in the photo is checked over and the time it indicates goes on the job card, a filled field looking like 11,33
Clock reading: 2,54
